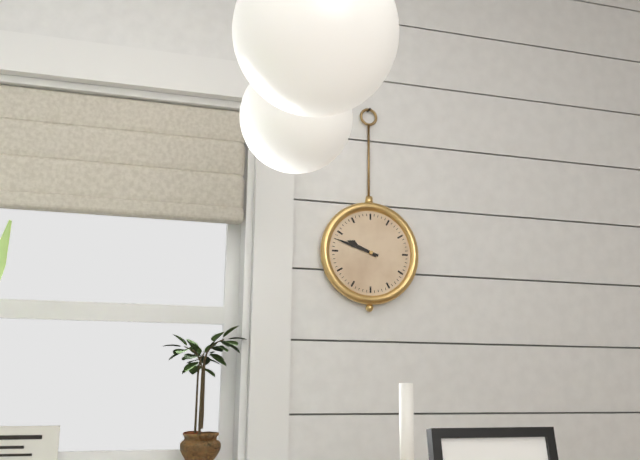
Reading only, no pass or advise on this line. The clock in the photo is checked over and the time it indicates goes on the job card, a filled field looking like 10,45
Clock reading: 9,48
